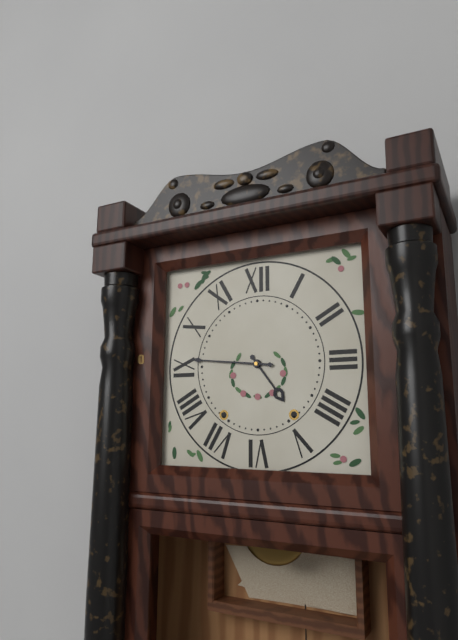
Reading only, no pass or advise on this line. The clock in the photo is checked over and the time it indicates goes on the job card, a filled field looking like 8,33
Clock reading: 4,46
